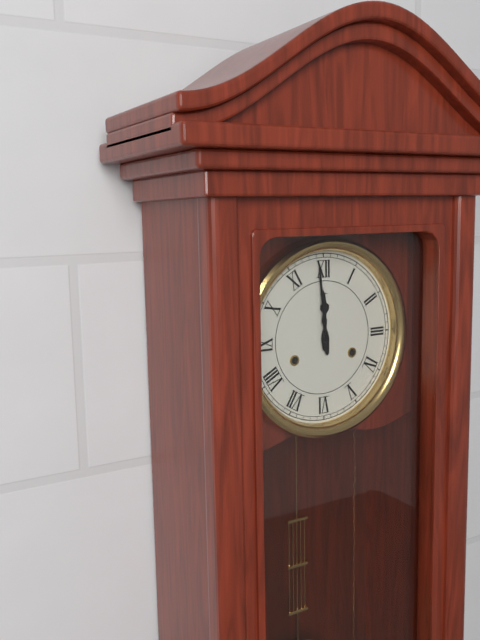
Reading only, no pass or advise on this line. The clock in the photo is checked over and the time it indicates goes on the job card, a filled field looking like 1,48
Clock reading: 11,59
